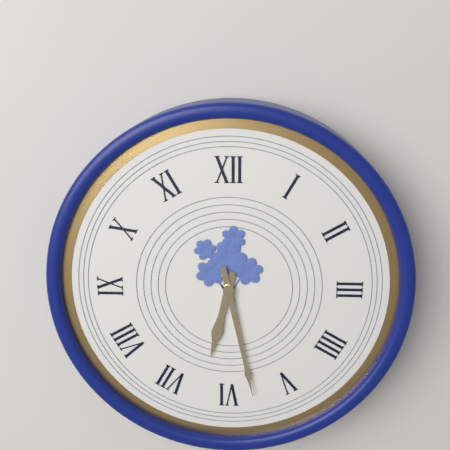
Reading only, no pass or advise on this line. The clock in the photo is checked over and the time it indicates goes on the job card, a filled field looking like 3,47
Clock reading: 6,28
